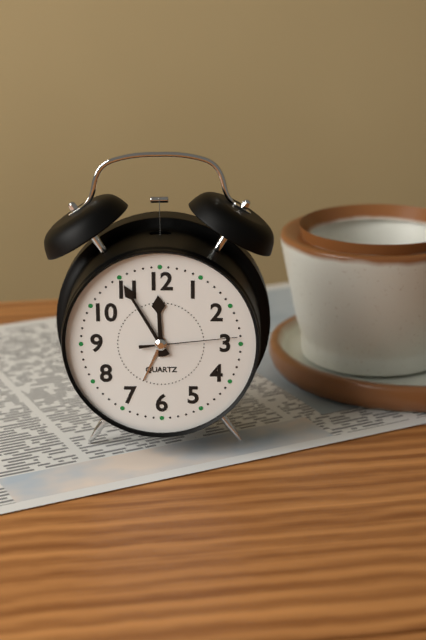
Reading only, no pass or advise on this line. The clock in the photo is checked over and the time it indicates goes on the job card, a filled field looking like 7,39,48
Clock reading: 11,55,14
